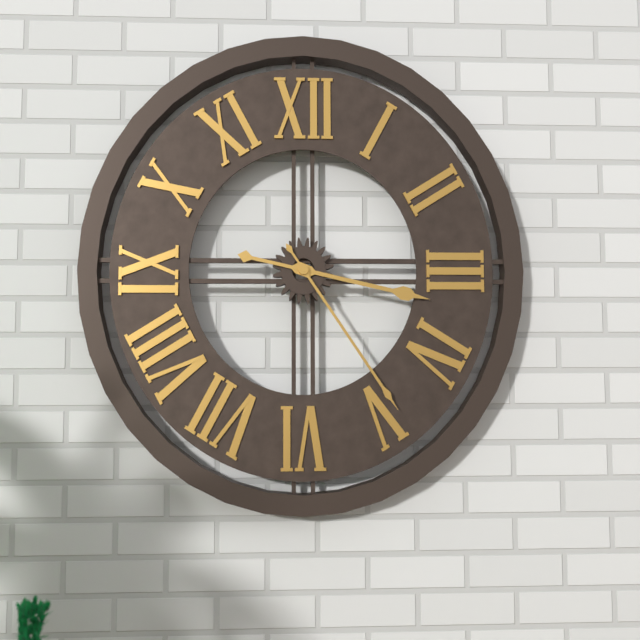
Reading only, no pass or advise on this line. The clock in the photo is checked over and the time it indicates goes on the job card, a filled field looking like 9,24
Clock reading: 3,24
